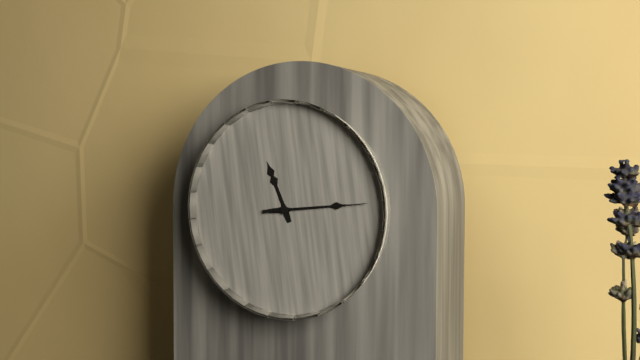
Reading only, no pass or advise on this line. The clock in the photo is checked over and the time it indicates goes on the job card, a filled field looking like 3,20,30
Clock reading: 11,14,14
